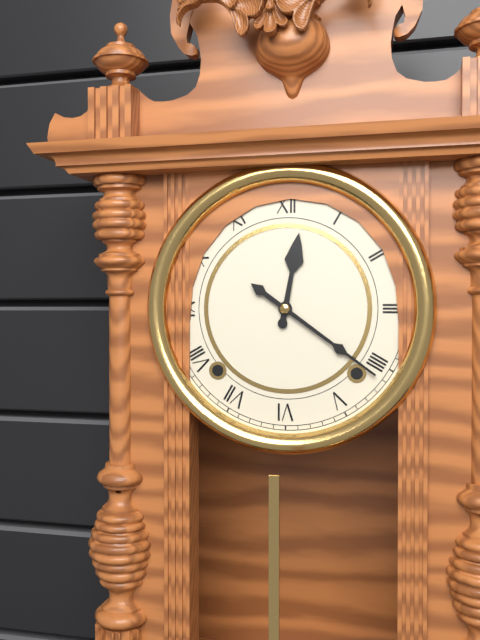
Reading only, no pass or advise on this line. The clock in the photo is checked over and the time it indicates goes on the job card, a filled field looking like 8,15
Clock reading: 12,21
